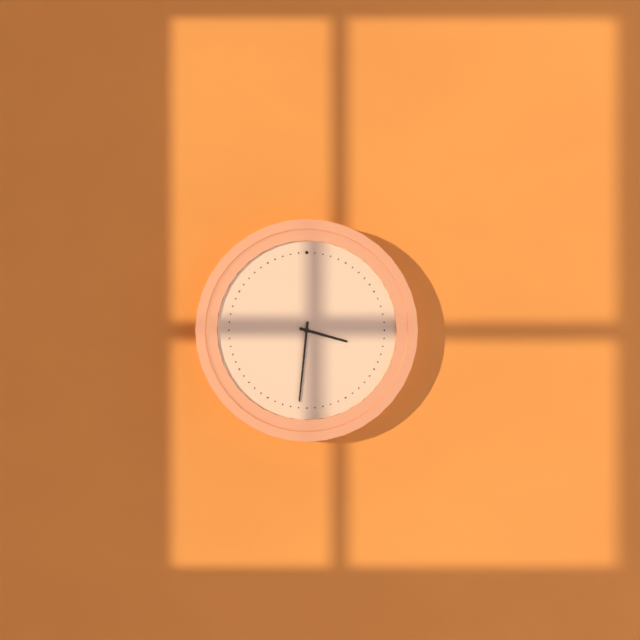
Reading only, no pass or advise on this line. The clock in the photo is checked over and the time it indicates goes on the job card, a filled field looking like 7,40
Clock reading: 3,31
